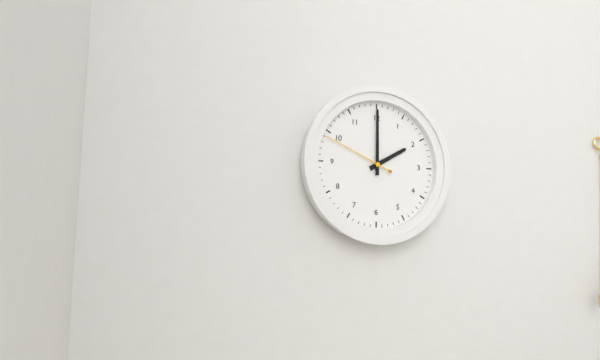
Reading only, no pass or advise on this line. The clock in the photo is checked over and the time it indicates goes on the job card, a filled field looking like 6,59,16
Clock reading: 2,00,49
